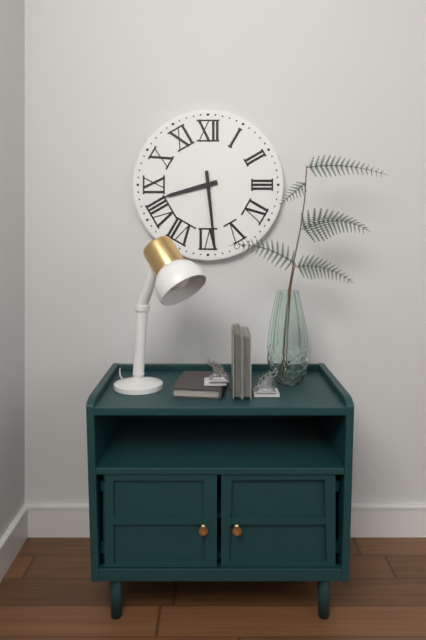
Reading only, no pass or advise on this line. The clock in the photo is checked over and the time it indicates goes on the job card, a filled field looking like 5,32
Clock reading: 8,29
